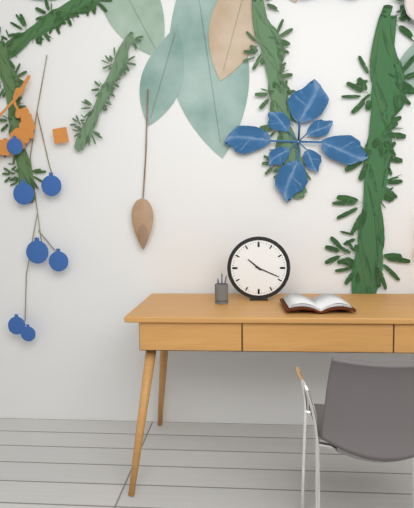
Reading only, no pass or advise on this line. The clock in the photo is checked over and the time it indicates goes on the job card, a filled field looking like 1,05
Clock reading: 10,19
